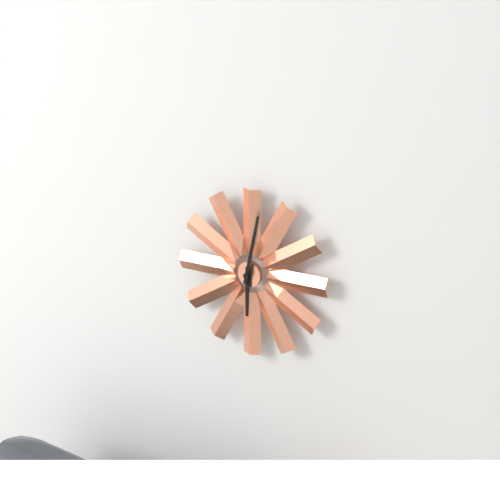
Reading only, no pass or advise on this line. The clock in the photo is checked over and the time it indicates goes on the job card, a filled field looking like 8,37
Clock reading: 6,02
